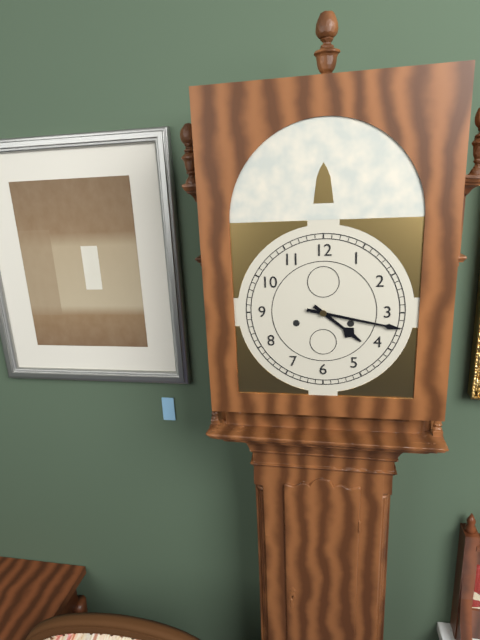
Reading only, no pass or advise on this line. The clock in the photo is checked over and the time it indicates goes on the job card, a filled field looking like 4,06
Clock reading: 4,17
